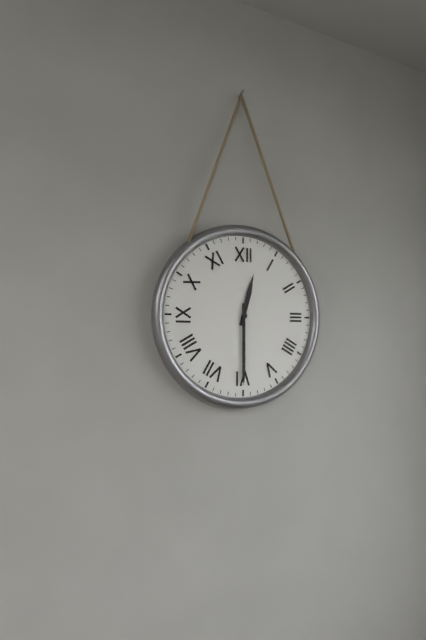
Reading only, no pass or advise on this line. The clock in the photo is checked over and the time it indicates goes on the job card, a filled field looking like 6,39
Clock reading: 12,30
